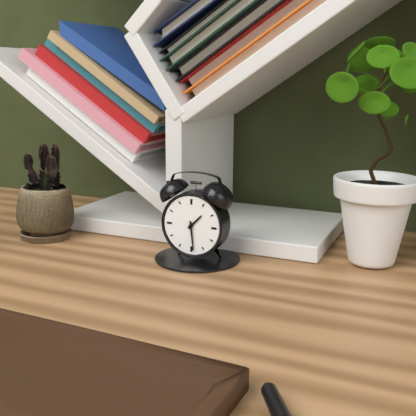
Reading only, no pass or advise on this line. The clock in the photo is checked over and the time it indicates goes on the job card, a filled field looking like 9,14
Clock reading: 1,29
